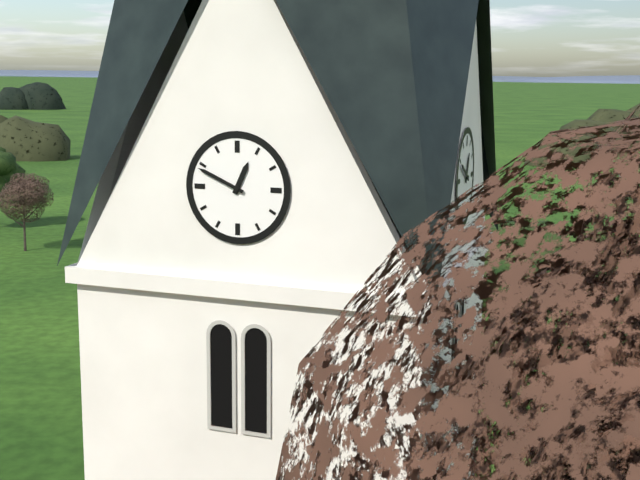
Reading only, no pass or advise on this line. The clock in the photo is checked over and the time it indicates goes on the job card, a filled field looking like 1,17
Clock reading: 12,49
